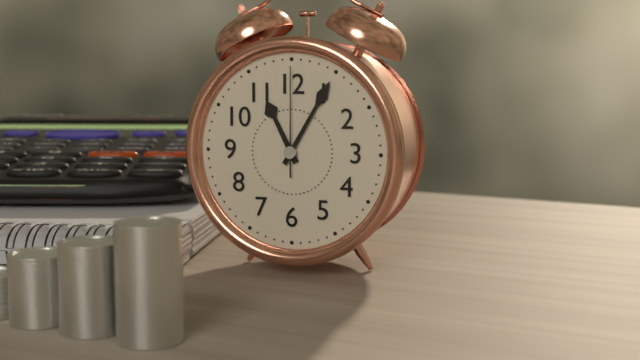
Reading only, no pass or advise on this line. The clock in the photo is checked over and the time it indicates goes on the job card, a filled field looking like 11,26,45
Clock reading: 11,05,00
